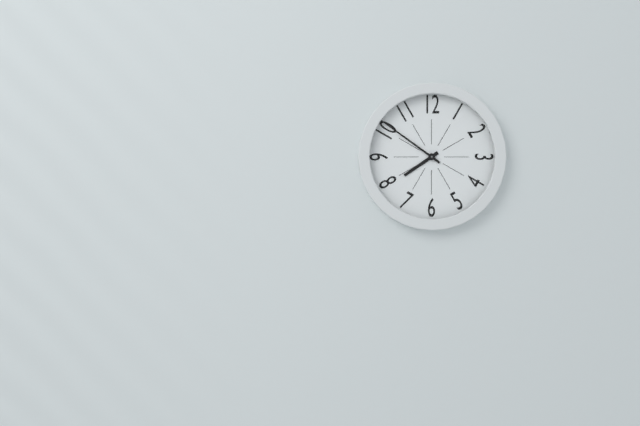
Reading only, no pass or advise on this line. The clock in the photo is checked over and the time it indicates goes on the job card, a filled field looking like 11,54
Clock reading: 7,51
